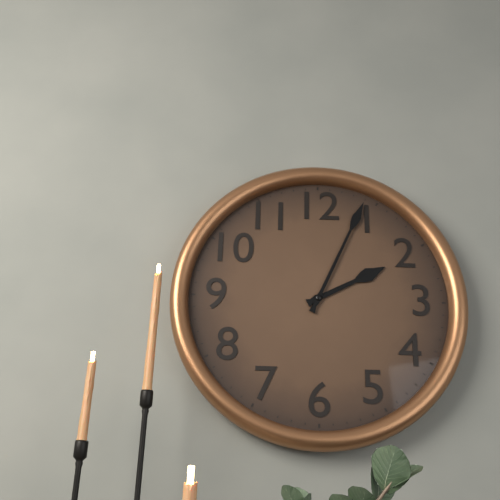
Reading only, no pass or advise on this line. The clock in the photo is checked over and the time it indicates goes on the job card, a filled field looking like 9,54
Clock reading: 2,04
